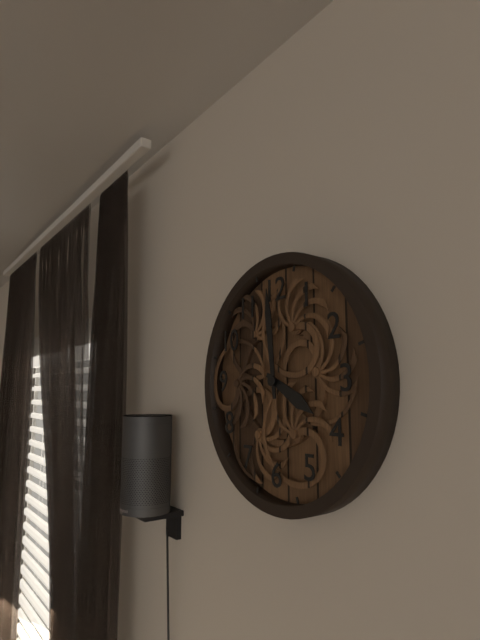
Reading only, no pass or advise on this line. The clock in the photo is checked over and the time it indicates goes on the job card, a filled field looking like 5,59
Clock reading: 3,59
